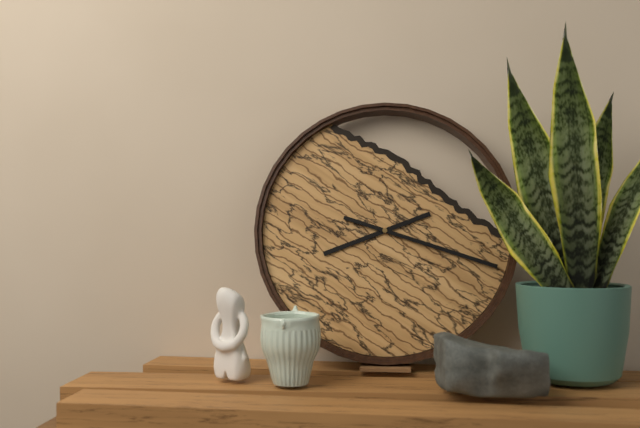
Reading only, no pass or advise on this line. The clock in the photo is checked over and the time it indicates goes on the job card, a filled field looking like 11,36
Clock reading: 8,18
